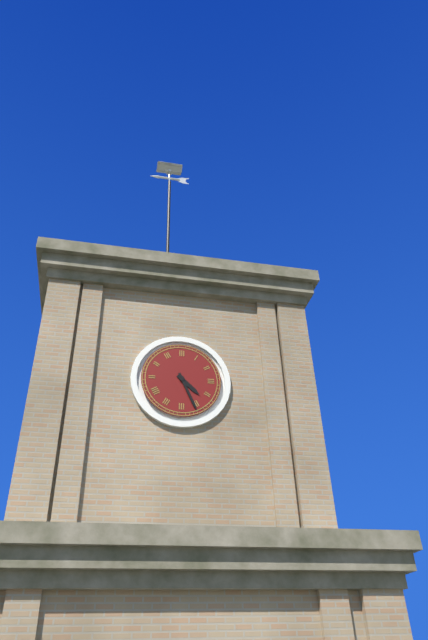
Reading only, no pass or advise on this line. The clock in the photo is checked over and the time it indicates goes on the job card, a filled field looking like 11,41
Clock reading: 4,26
